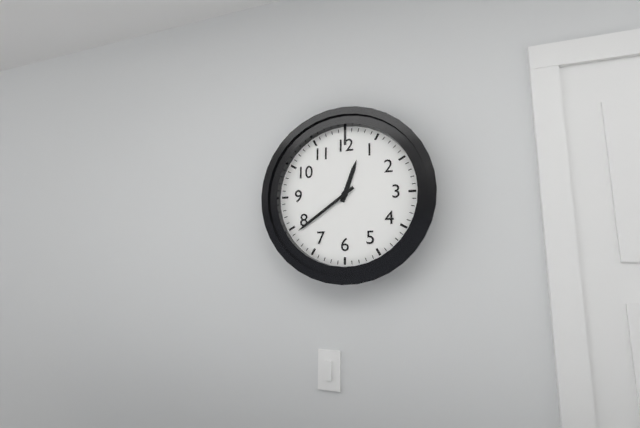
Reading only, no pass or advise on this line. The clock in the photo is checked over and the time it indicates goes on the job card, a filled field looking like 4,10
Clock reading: 12,39
